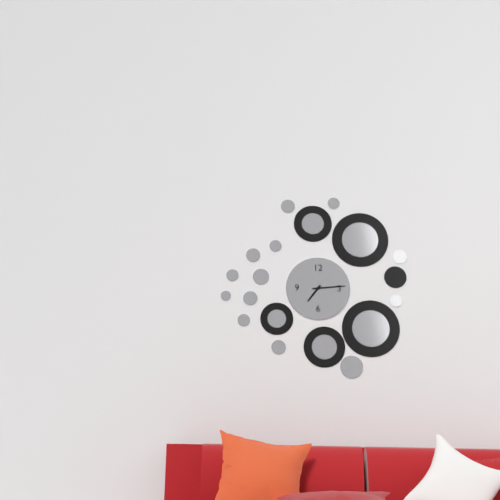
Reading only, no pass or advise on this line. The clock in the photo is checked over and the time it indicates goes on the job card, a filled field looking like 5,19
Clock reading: 7,14
